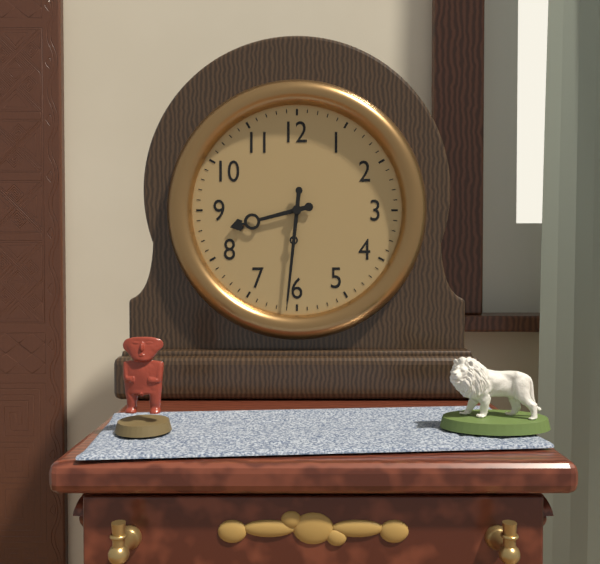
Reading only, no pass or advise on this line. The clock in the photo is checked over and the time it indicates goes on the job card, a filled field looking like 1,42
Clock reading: 8,31
